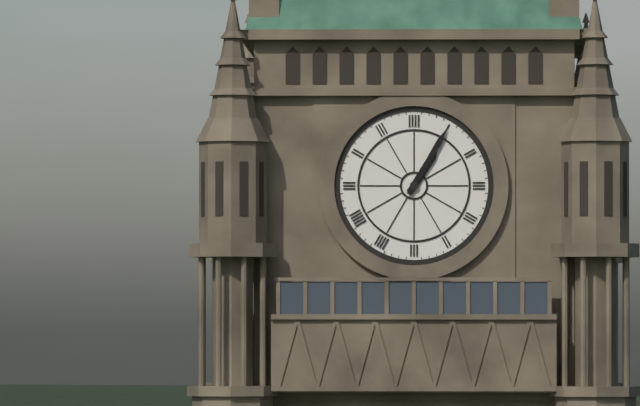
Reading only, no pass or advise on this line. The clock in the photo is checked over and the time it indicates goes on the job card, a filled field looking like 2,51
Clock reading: 1,05
